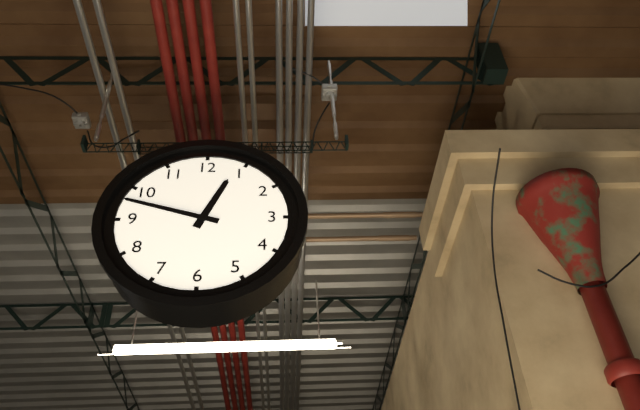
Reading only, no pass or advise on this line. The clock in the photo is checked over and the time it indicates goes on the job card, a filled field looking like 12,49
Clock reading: 12,48
